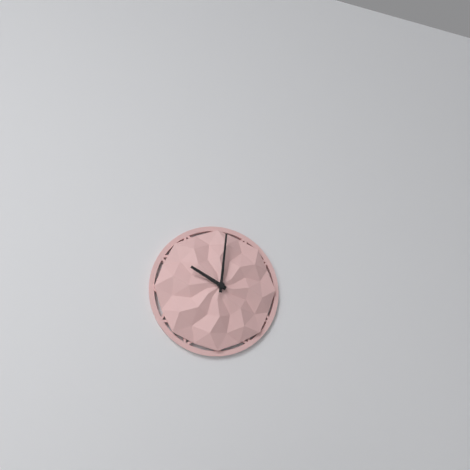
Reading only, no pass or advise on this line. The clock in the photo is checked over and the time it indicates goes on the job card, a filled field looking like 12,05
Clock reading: 10,01
